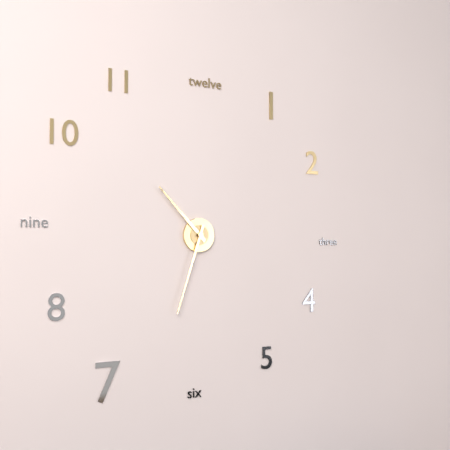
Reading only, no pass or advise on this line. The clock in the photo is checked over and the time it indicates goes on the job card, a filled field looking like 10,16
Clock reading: 10,33
